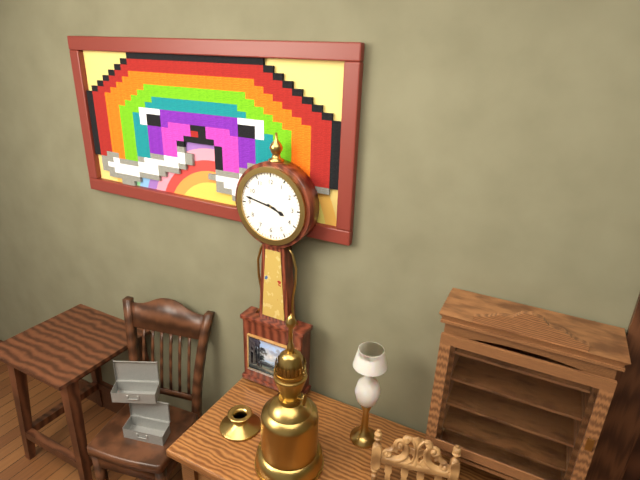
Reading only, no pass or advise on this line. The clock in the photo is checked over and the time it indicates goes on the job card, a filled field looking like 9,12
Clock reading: 3,47
